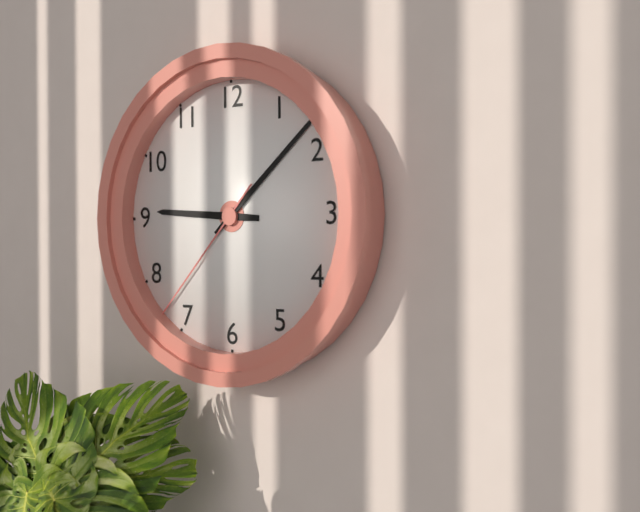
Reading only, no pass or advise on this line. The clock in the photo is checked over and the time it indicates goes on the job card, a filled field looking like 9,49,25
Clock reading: 9,08,37
